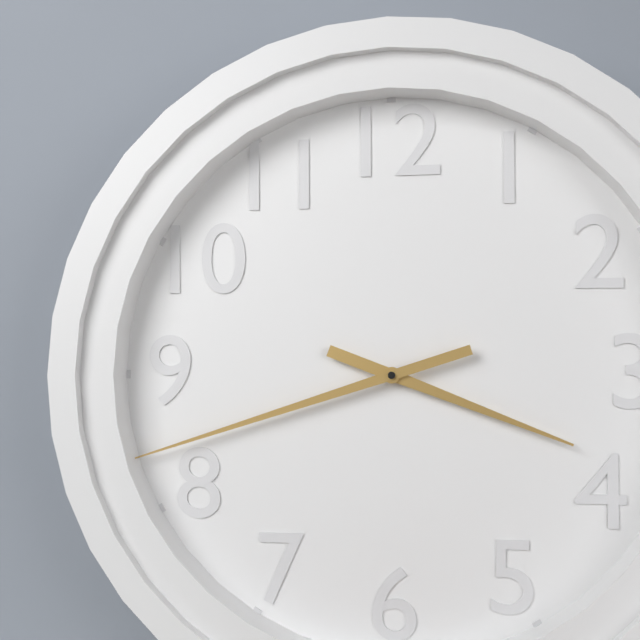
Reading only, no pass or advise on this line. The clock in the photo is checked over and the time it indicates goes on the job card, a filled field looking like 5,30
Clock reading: 3,42
